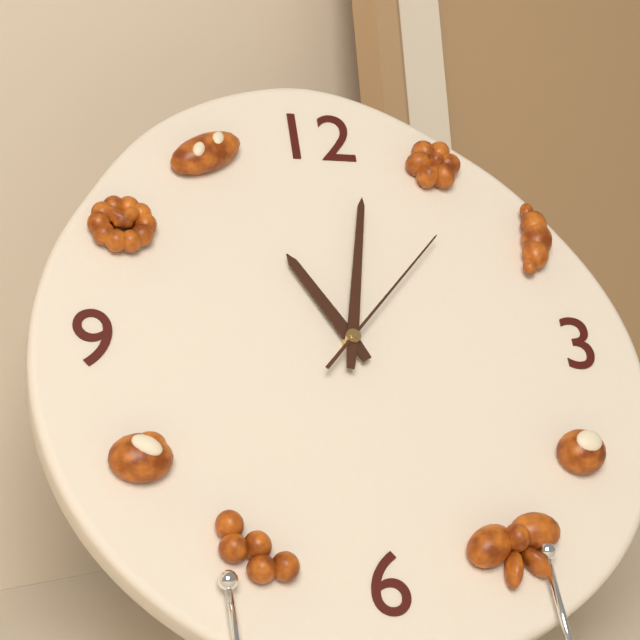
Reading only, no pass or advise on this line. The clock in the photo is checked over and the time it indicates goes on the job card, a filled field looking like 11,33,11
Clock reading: 11,02,07
